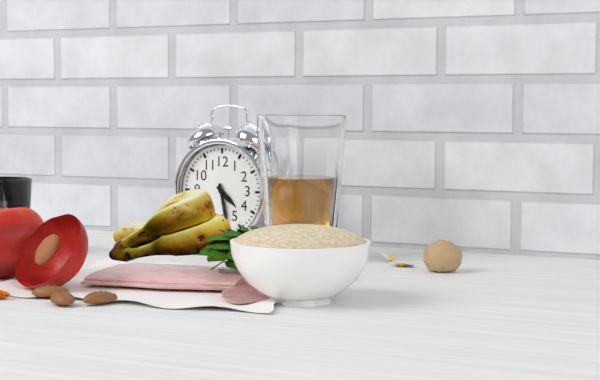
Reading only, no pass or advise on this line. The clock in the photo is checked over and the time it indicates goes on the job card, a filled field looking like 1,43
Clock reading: 4,28
